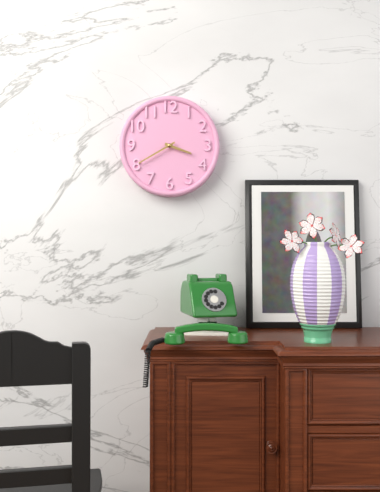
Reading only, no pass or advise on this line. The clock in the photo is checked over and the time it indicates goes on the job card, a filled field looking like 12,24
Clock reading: 3,40
